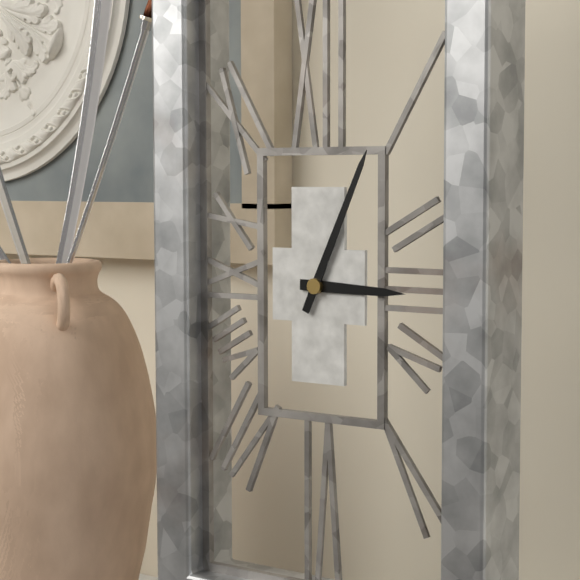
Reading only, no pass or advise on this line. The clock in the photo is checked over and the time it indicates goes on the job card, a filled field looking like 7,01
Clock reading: 3,04
